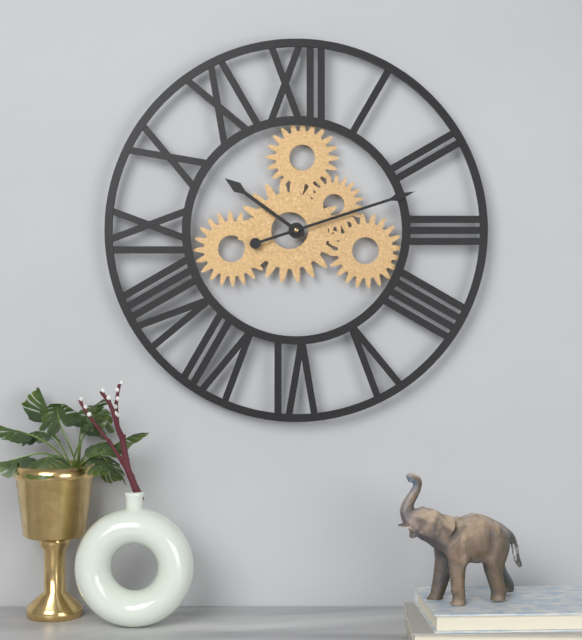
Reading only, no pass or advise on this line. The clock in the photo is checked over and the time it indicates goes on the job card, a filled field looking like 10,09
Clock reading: 10,12
